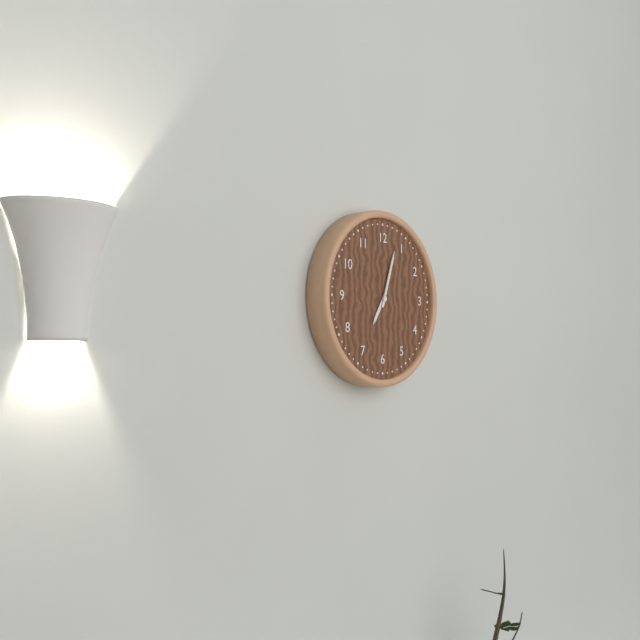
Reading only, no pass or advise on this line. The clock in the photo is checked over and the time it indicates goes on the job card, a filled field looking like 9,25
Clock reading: 7,03
